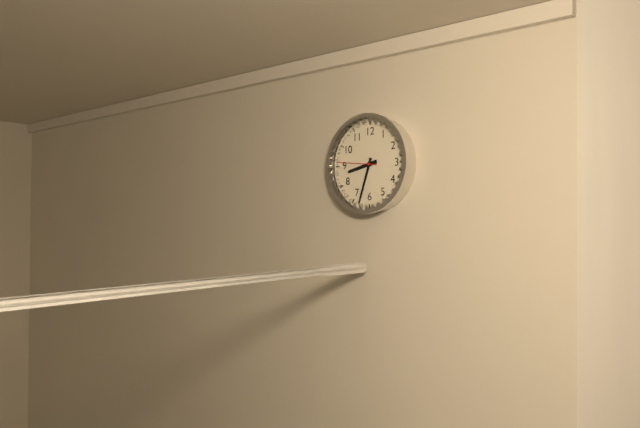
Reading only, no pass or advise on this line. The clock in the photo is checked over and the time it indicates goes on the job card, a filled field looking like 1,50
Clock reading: 8,33
